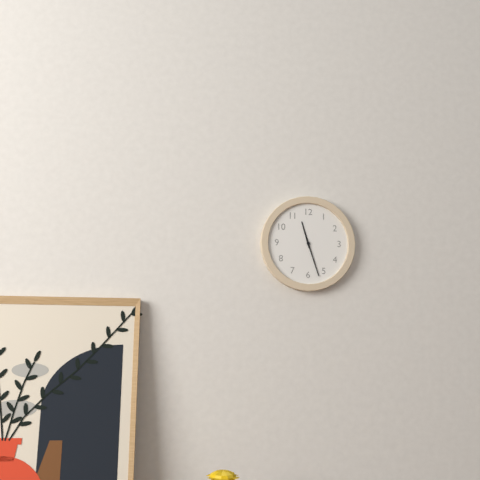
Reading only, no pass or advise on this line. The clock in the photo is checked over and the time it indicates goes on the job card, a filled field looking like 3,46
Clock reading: 11,27
